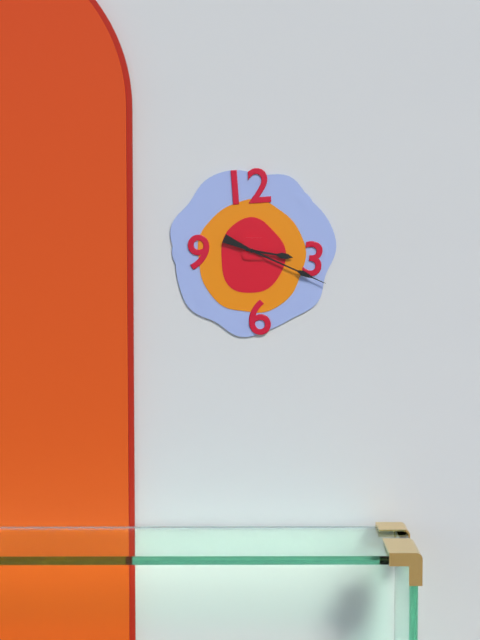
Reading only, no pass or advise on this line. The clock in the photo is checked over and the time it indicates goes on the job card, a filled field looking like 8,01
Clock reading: 3,19
